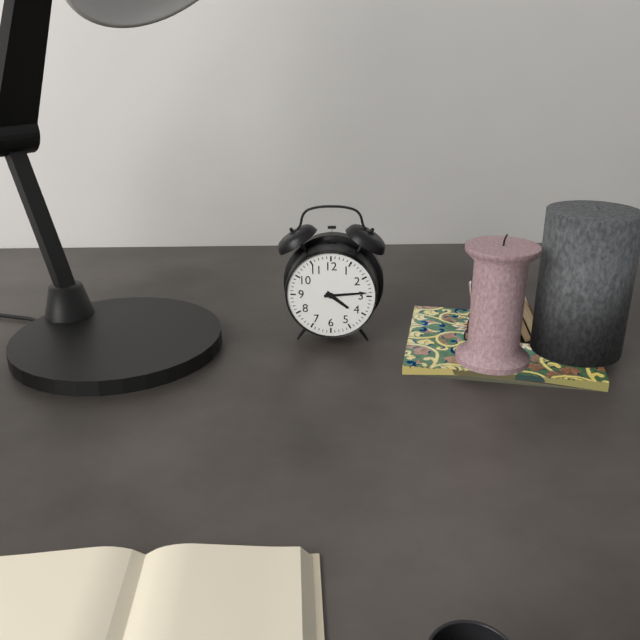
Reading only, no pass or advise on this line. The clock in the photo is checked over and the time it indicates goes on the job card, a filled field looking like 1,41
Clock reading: 4,14
